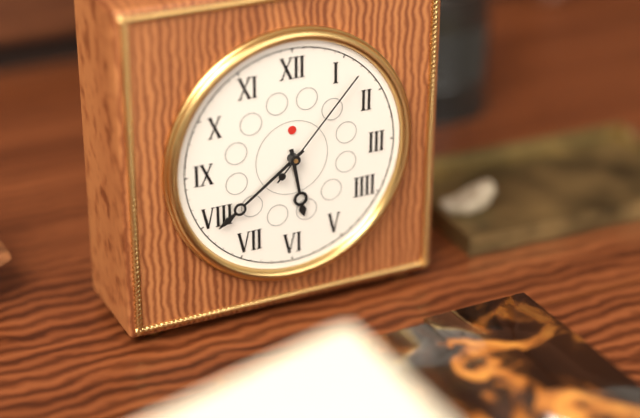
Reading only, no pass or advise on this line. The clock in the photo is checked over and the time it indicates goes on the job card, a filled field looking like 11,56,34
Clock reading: 5,39,07
